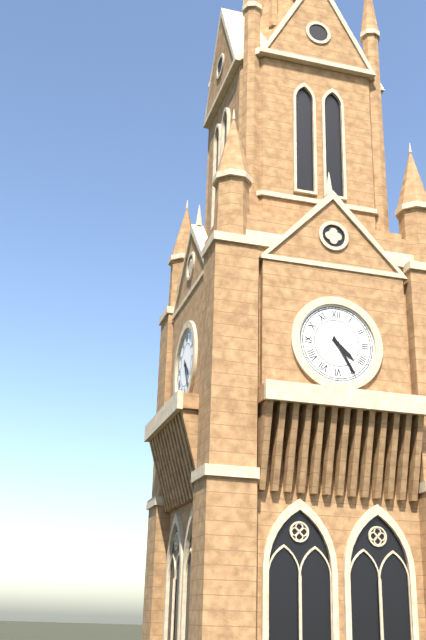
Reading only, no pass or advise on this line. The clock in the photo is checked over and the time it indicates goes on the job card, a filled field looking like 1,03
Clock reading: 4,25
